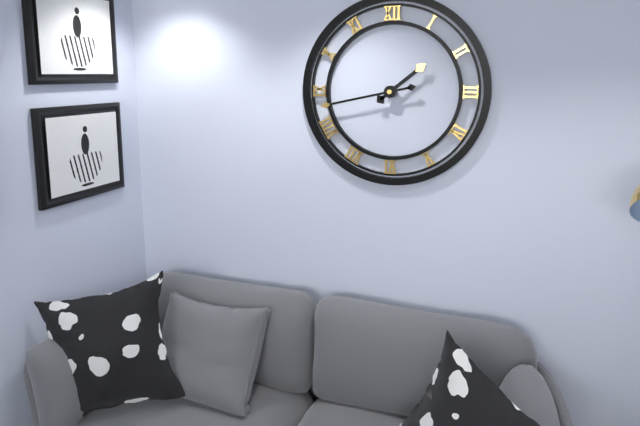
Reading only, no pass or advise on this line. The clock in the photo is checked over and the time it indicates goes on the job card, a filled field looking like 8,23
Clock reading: 1,43
